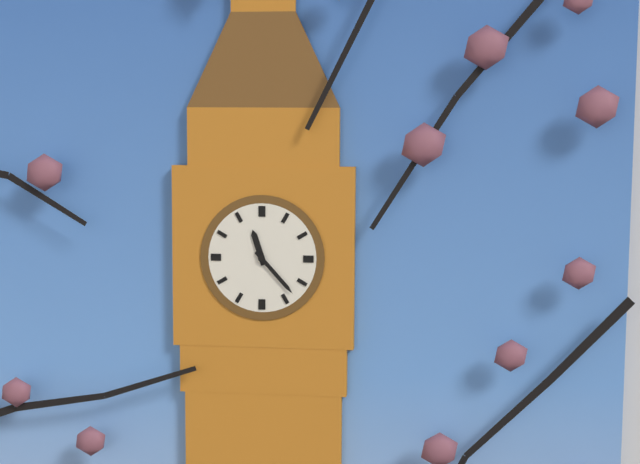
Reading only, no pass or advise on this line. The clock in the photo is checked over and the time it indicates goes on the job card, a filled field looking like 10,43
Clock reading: 11,23
